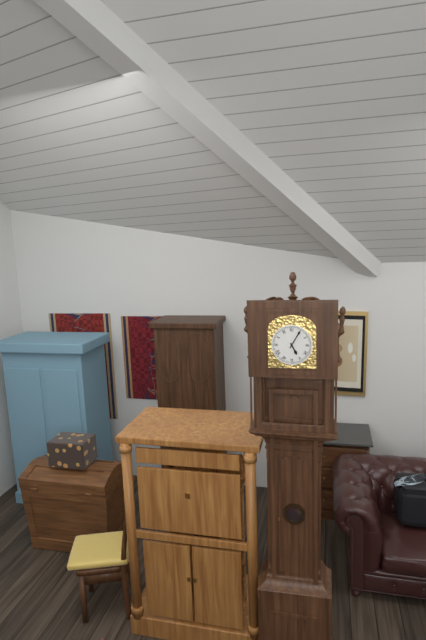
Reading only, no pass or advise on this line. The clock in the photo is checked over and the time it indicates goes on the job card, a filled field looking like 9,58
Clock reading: 5,05
